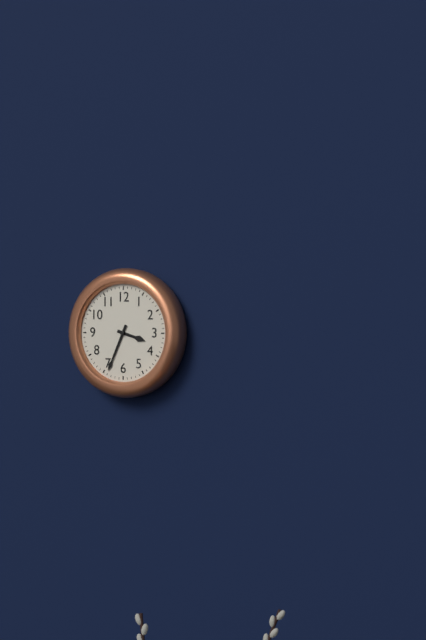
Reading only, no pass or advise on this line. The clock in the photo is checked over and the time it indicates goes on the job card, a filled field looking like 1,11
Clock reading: 3,34
